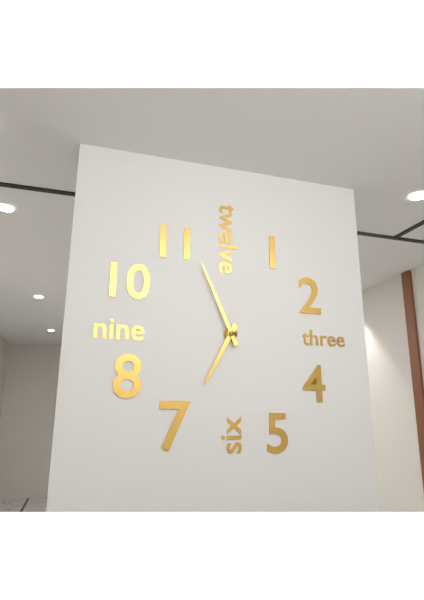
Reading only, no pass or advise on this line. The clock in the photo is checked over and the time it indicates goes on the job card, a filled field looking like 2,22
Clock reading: 6,56
